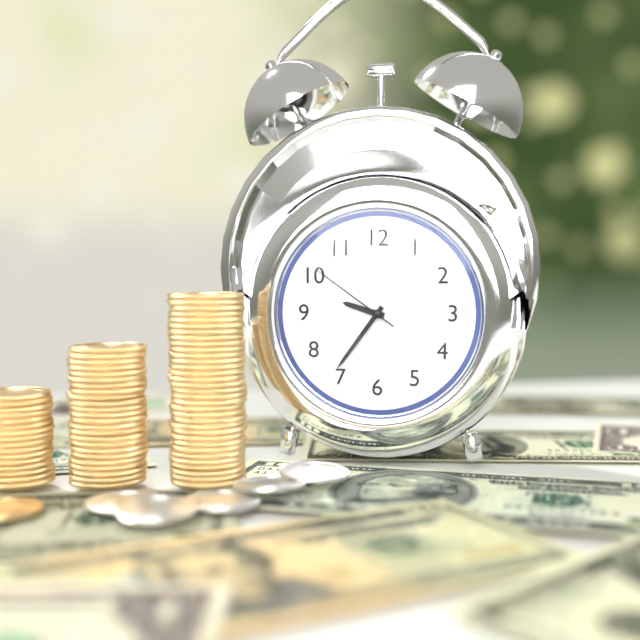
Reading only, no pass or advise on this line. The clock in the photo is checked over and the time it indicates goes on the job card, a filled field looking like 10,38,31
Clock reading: 9,36,51
